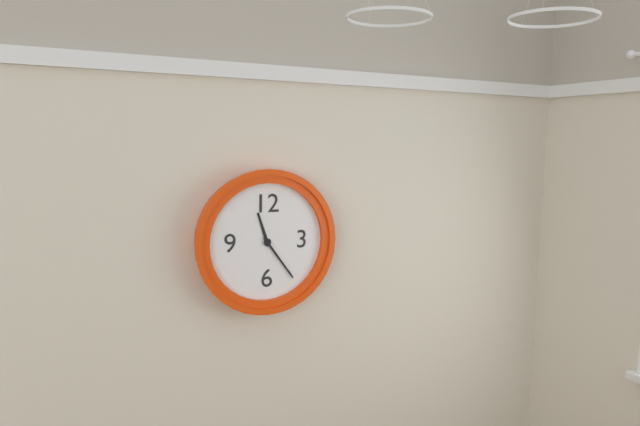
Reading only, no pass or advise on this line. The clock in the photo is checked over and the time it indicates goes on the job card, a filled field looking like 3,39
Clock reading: 11,24
